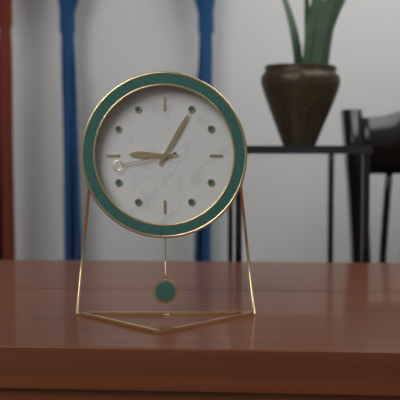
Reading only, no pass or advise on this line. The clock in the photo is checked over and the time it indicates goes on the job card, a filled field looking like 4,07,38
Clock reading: 9,05,43
